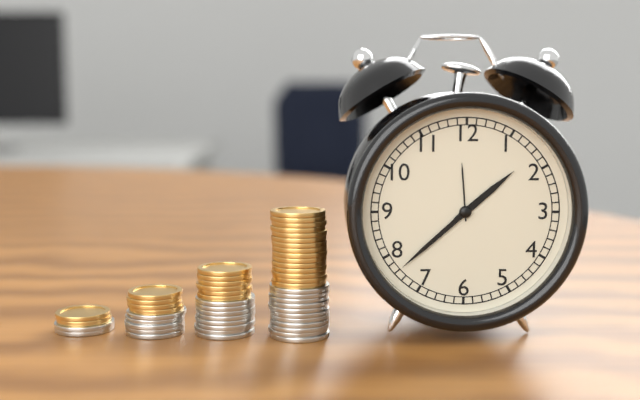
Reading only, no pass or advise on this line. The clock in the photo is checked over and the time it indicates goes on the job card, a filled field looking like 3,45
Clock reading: 1,38
